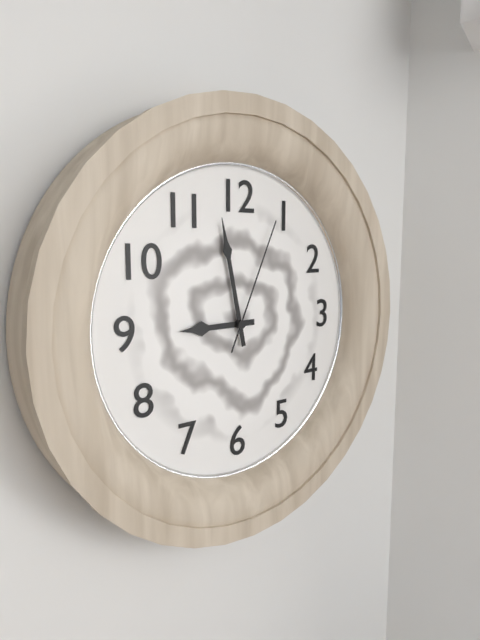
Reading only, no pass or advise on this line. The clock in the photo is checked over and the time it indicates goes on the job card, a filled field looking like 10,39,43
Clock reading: 8,58,04
